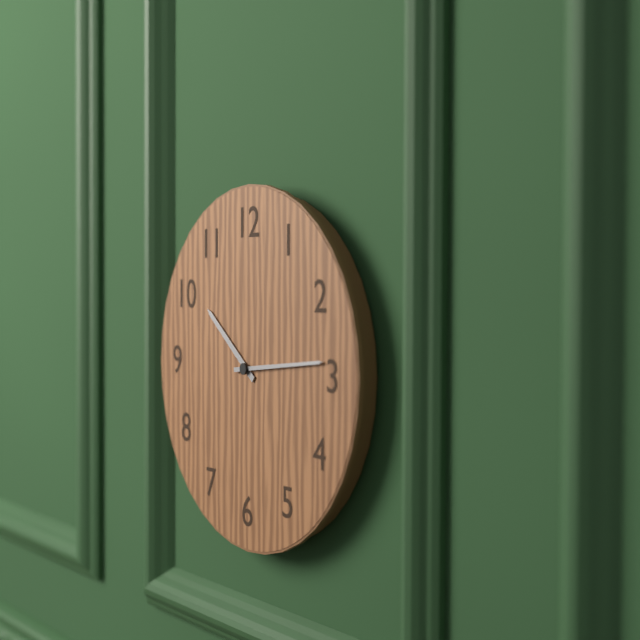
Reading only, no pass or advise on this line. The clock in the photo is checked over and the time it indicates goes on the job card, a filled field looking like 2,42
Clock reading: 10,14
